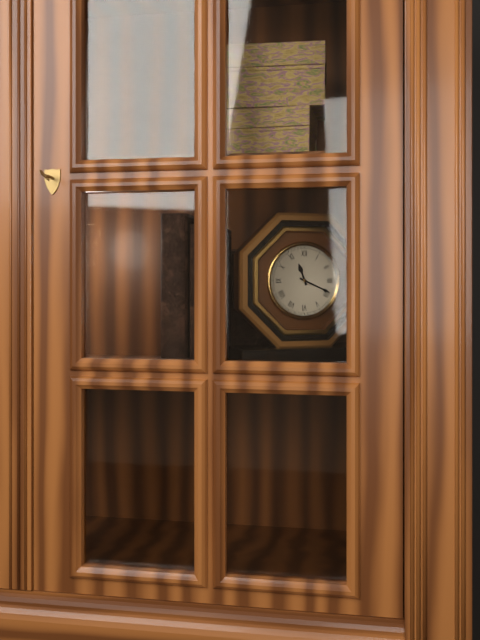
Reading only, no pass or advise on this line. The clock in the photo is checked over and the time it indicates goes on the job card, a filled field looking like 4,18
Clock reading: 11,19
